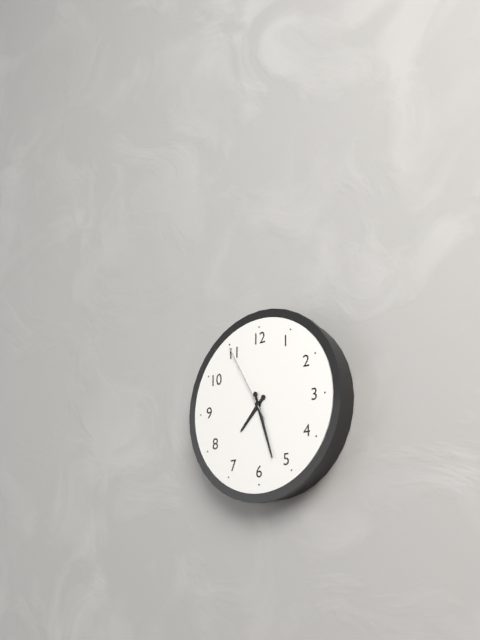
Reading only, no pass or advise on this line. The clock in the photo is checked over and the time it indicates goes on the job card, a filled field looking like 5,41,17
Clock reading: 7,27,55
